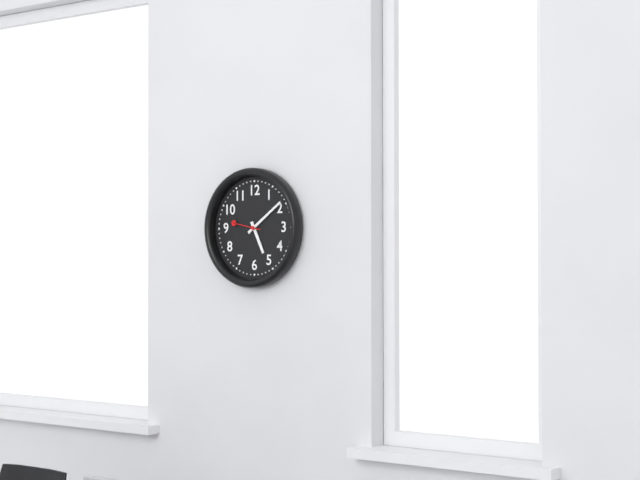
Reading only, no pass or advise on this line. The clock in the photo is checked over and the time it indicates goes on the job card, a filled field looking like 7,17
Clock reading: 5,09
